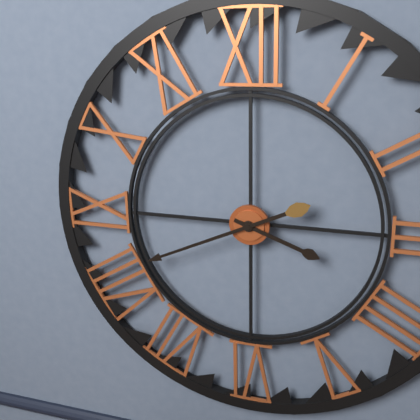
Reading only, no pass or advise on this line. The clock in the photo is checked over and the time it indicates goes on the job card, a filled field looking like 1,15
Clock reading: 3,41
